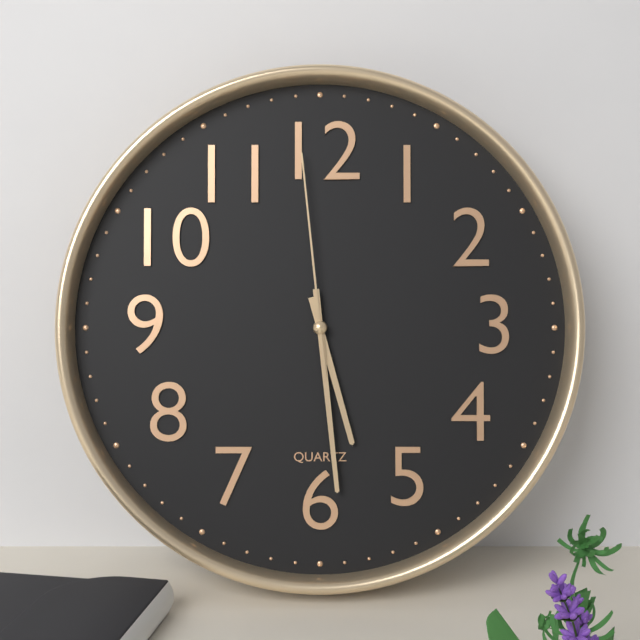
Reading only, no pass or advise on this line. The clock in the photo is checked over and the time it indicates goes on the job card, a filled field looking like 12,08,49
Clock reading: 5,29,59
